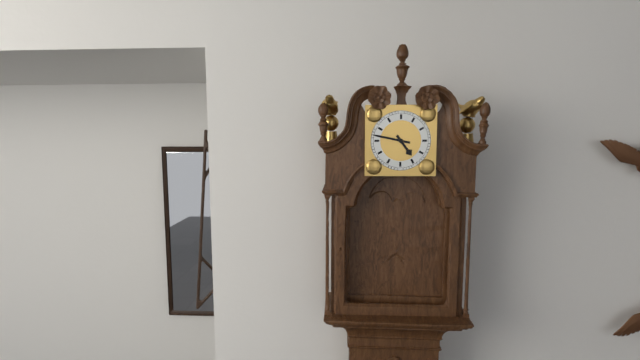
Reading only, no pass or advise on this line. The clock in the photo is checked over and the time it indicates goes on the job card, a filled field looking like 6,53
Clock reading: 4,47
